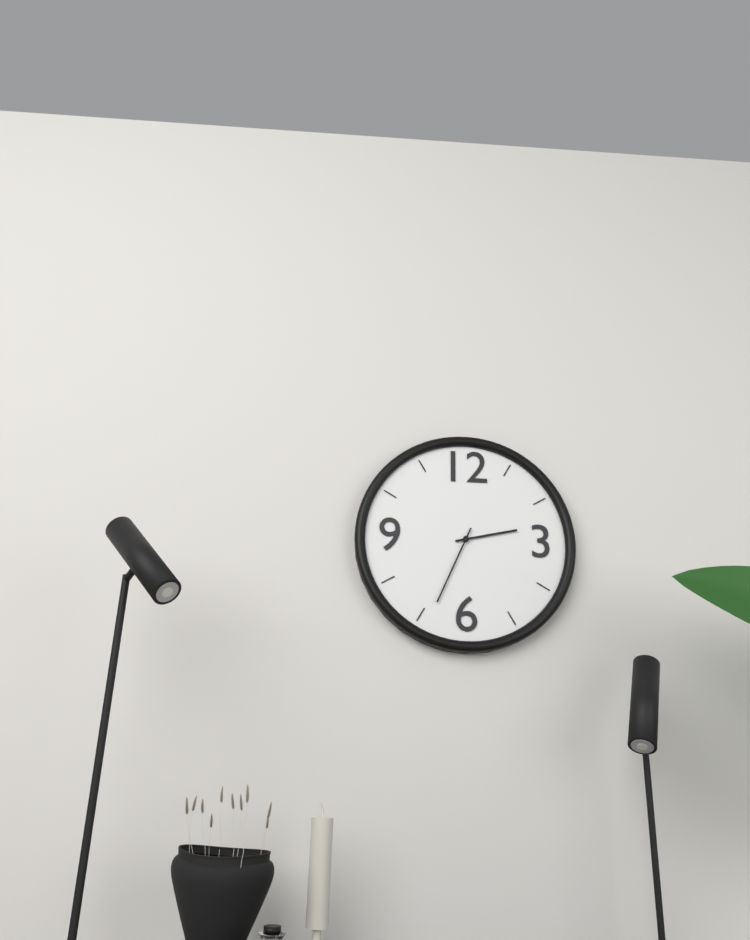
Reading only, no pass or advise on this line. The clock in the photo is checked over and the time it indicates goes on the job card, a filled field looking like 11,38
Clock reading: 2,34
